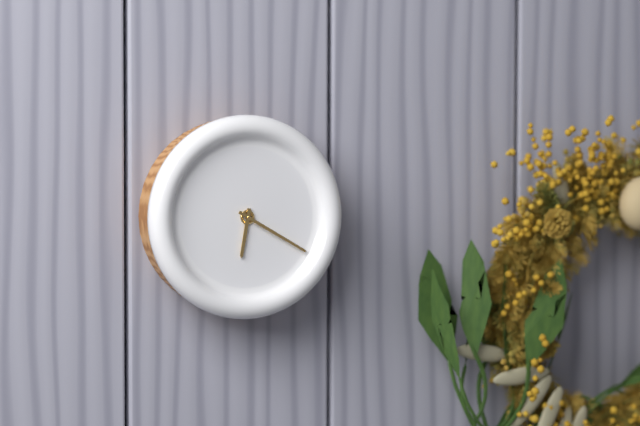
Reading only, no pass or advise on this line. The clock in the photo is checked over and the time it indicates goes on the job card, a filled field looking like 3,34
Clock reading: 6,20
